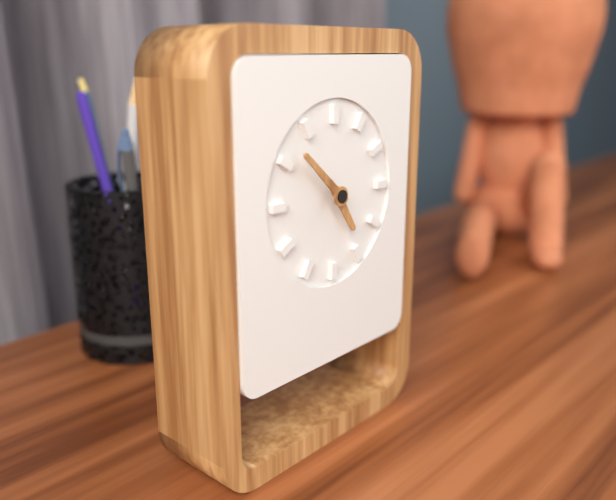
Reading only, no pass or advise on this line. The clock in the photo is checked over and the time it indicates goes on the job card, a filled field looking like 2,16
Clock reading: 4,52
